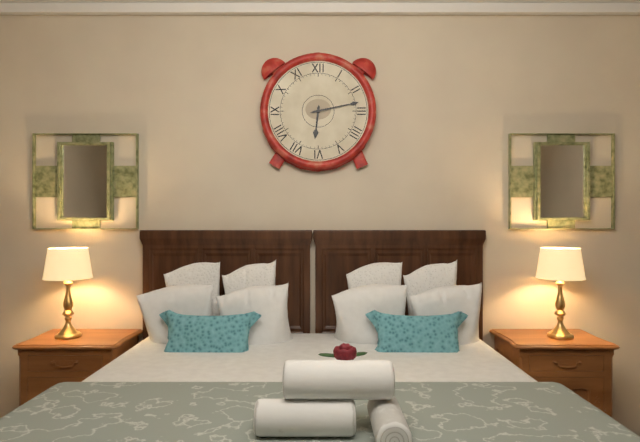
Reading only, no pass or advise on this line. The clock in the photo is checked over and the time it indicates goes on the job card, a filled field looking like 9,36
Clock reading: 6,13
